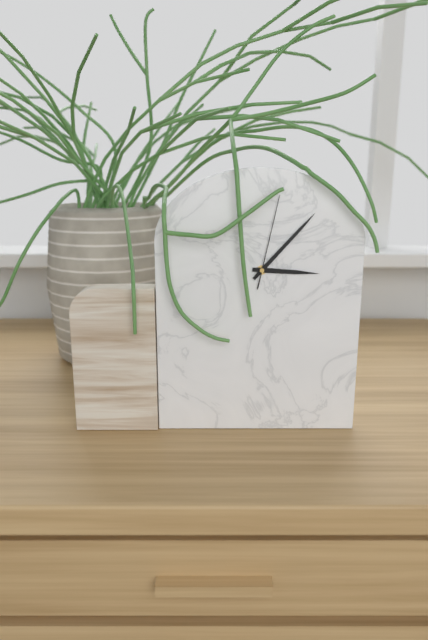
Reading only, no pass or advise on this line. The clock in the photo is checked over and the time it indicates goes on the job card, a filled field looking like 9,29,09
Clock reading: 3,07,02
